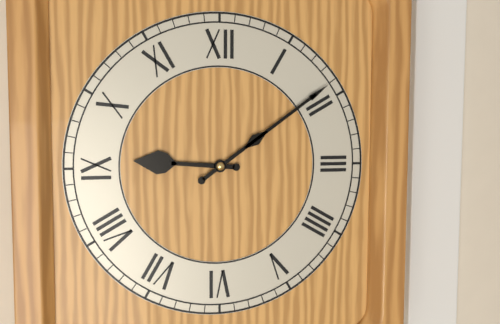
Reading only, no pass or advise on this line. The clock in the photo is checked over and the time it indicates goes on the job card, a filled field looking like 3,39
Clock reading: 9,09
